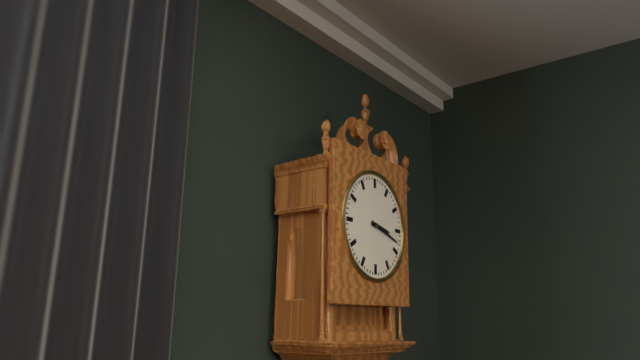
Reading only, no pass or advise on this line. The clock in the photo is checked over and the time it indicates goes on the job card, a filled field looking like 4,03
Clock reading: 3,18
